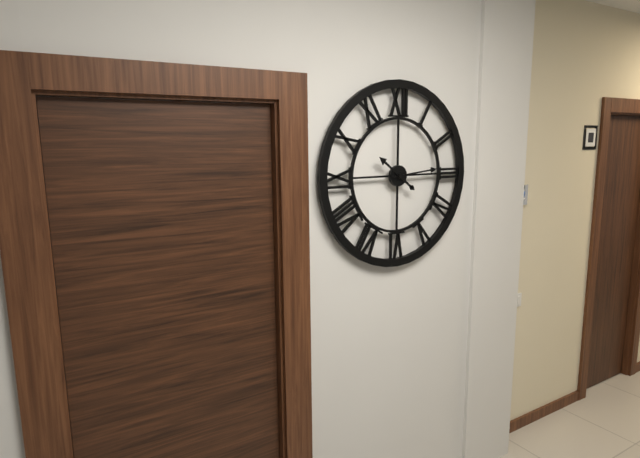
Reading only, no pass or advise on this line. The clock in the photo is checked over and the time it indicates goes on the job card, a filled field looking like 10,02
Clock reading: 10,14
